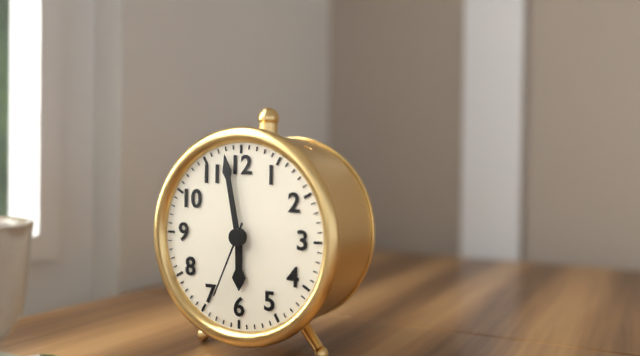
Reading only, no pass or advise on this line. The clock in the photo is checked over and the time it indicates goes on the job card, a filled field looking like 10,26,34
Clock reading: 5,58,34
